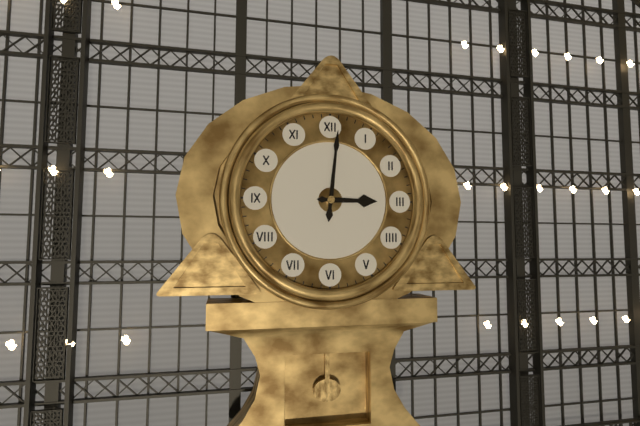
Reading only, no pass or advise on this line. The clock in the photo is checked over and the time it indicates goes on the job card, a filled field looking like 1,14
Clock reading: 3,01
